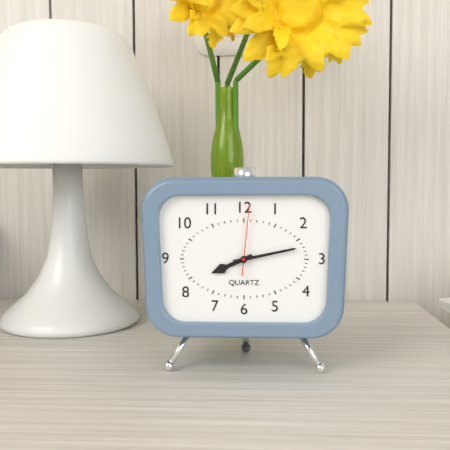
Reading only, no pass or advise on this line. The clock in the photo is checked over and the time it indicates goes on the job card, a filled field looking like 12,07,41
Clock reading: 8,13,01
